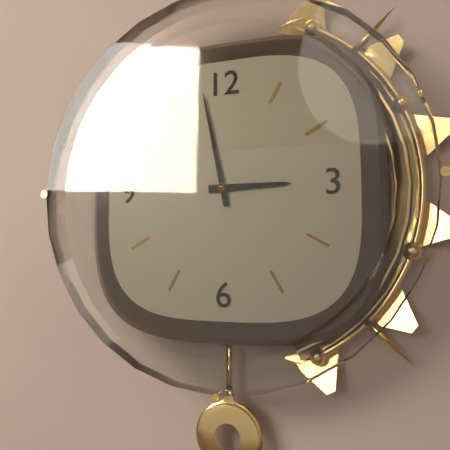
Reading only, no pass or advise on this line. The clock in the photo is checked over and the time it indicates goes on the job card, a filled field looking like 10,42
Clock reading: 2,58
